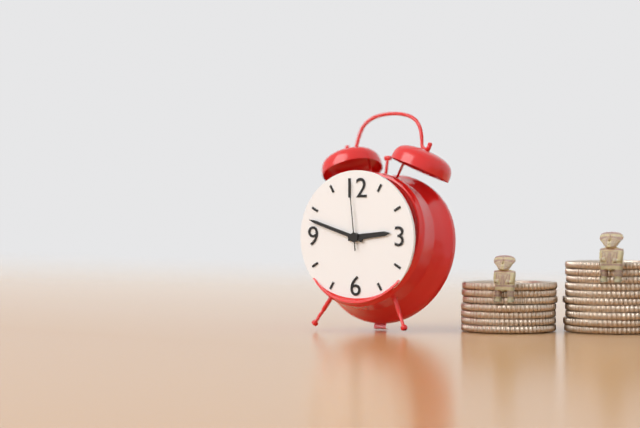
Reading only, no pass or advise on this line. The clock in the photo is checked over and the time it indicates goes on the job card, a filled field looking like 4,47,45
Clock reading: 2,48,59
